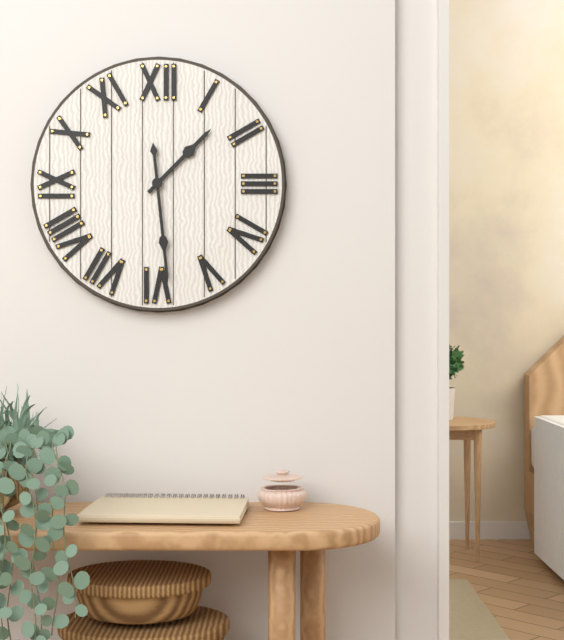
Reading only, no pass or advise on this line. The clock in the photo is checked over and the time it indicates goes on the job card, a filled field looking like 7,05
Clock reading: 1,29
